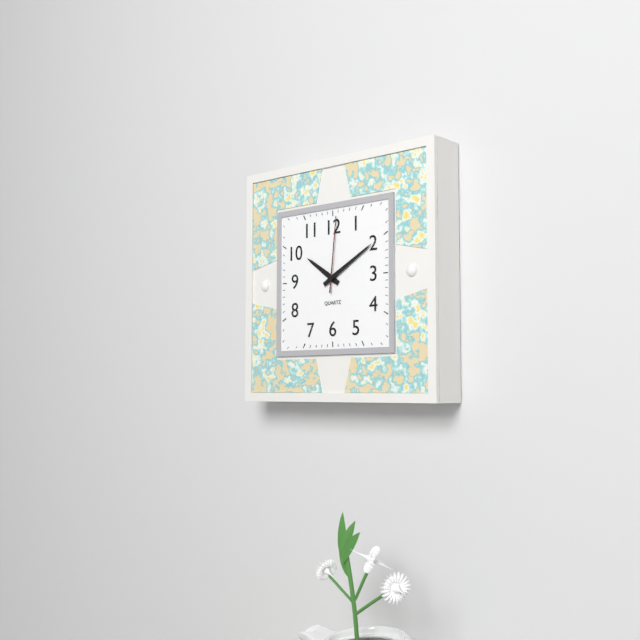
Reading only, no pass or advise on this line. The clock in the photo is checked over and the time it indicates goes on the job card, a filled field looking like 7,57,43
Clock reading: 10,10,01
